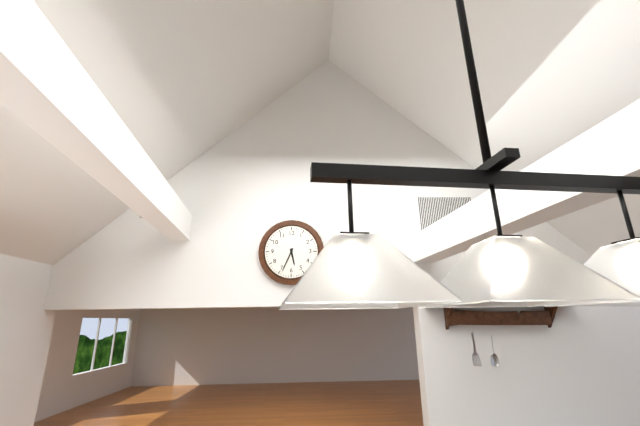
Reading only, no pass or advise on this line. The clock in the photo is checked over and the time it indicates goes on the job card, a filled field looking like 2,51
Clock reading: 5,34
